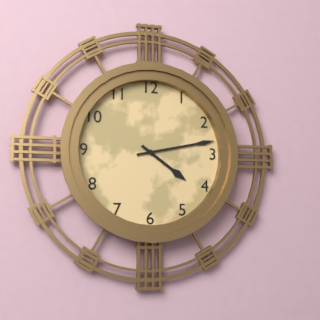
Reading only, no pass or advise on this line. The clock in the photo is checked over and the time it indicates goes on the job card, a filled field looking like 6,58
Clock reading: 4,13
